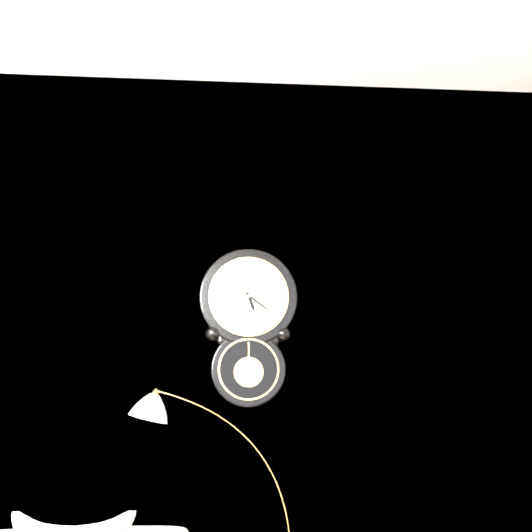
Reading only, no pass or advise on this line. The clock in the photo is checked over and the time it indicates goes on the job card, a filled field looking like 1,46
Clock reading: 5,21
